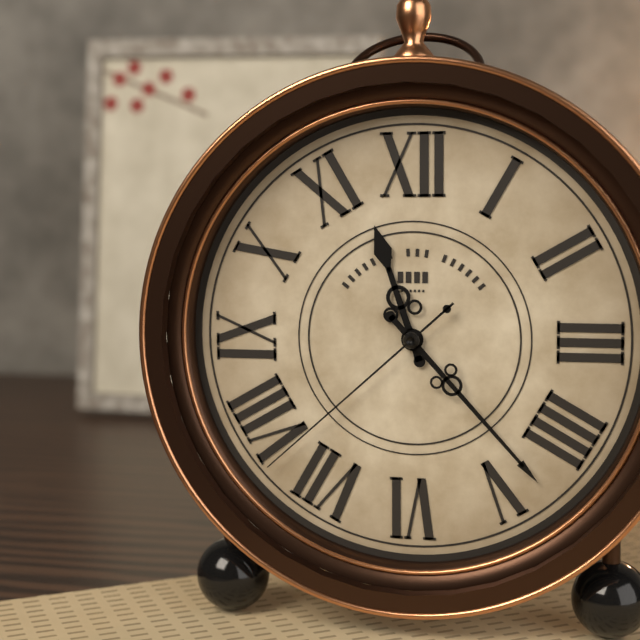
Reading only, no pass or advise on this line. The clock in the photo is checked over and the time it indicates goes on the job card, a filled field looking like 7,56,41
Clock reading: 11,23,38
